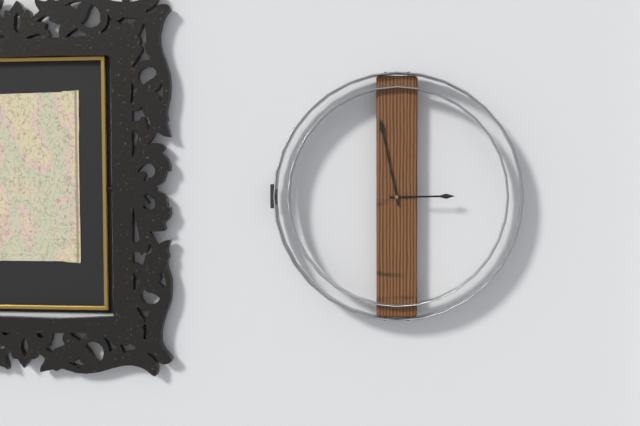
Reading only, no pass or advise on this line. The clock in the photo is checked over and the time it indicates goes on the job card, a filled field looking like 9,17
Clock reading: 2,58
